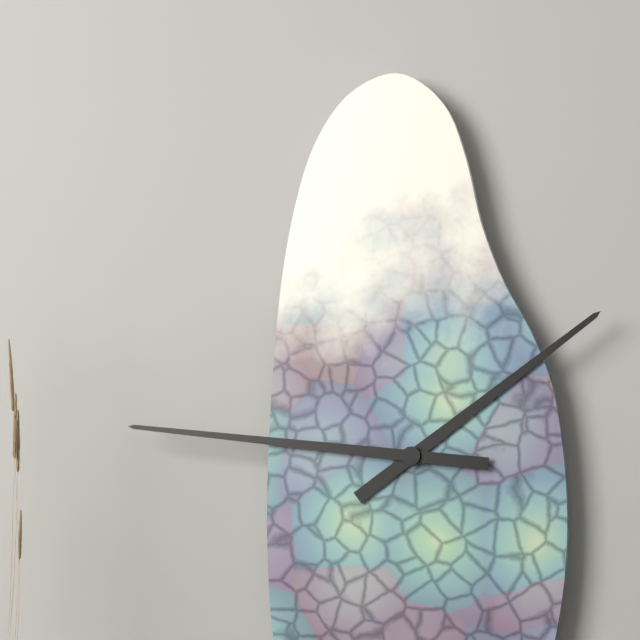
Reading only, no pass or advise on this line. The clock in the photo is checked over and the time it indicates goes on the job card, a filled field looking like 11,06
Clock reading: 1,46
